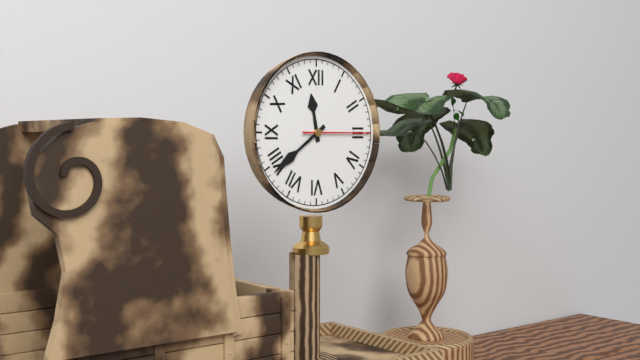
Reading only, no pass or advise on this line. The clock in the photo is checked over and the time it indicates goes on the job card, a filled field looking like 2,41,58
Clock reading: 11,39,15
